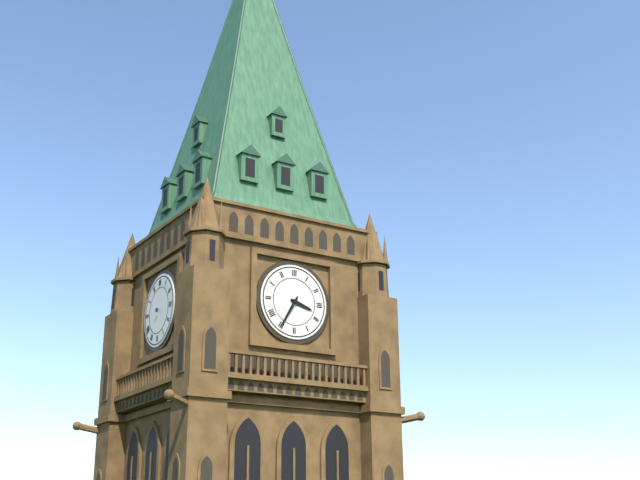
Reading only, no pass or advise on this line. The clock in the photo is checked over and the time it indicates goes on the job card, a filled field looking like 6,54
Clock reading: 3,35
